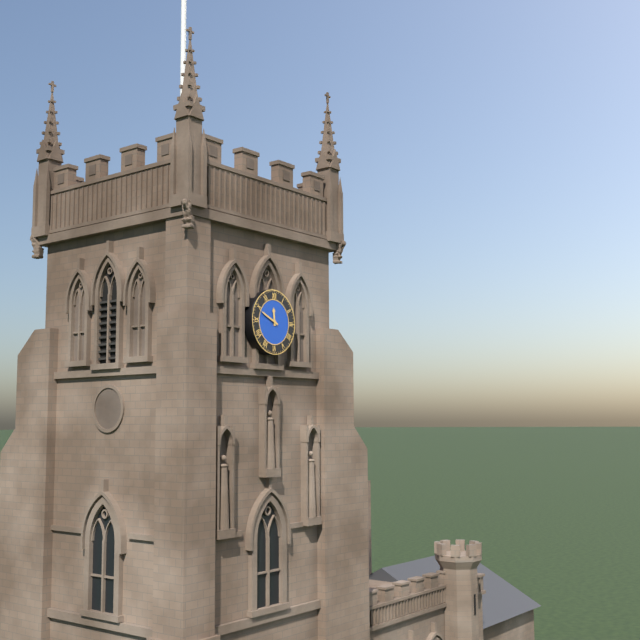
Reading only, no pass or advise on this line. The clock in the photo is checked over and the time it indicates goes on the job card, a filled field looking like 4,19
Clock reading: 11,49
